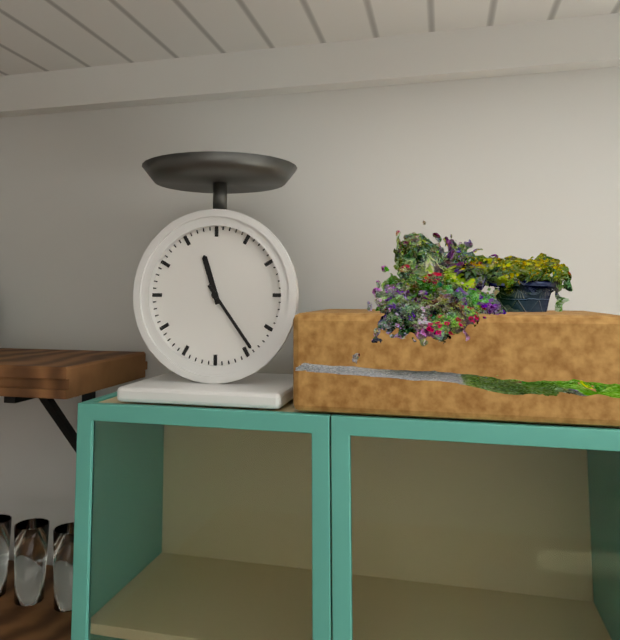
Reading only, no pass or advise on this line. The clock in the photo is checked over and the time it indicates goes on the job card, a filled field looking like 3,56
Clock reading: 11,24
